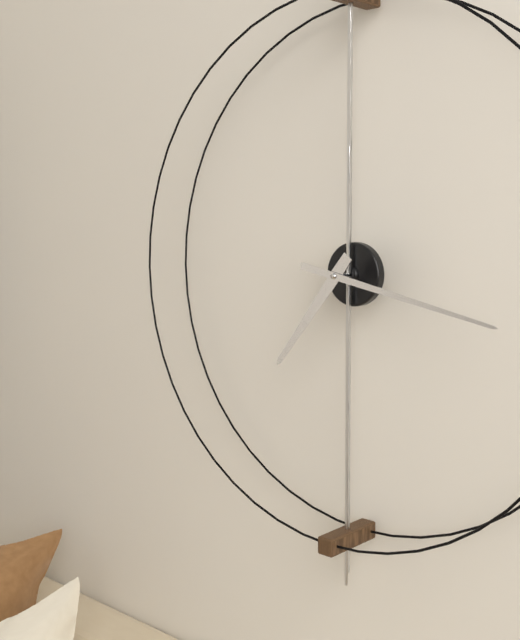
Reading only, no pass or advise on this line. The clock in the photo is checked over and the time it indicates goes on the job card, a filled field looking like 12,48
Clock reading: 7,17
